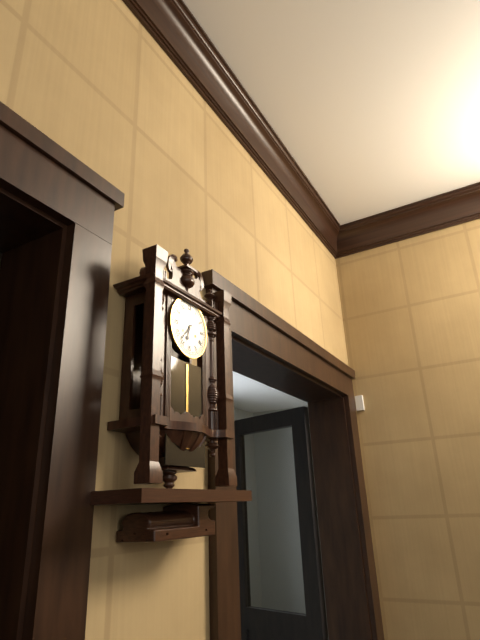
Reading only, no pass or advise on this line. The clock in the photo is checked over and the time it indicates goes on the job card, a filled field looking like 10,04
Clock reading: 6,37
